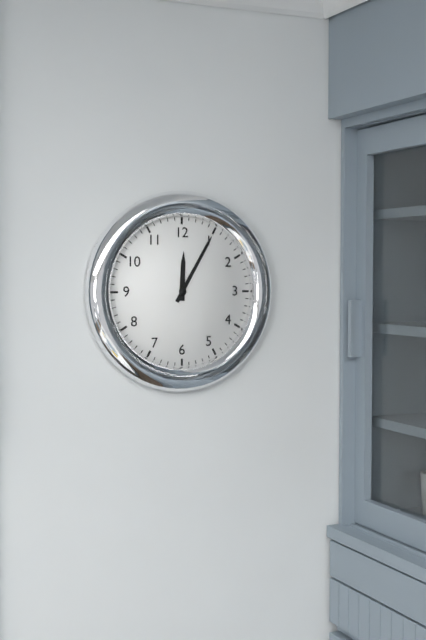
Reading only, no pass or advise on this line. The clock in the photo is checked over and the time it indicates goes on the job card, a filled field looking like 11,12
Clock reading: 12,05
